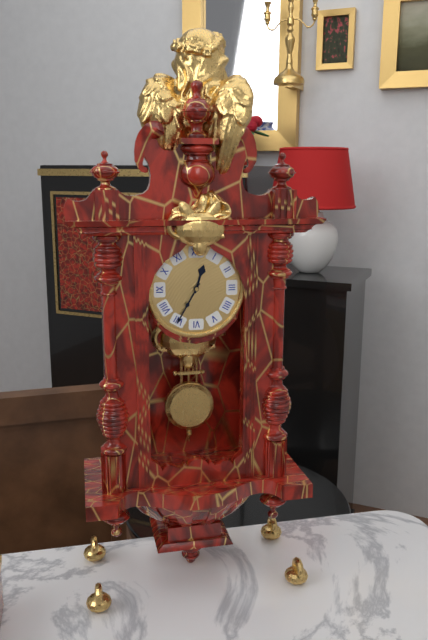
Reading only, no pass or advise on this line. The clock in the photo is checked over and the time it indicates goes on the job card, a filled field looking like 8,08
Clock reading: 12,35
